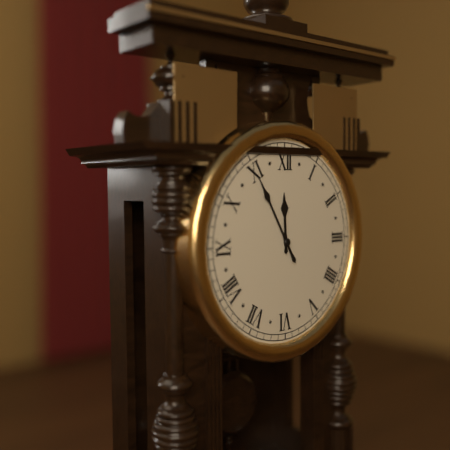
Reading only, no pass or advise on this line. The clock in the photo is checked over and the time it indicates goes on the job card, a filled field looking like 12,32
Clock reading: 11,55
